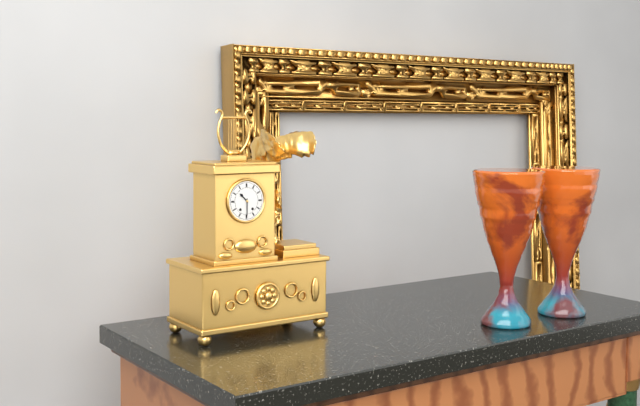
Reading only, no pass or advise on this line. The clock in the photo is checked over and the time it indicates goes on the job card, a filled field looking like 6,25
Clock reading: 10,30
